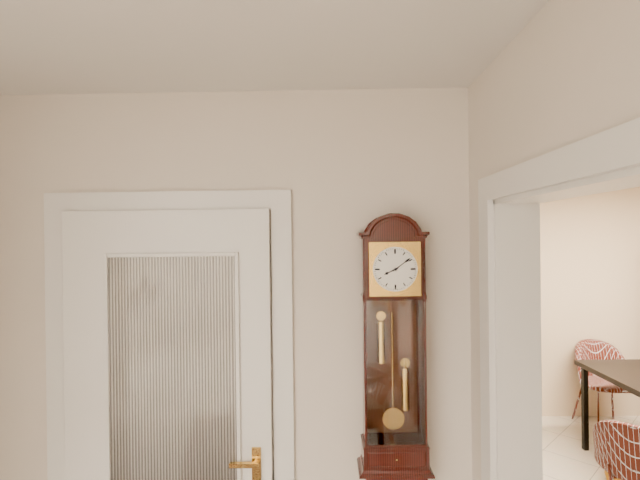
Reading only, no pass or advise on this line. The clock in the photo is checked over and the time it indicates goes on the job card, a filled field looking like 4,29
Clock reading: 8,09
